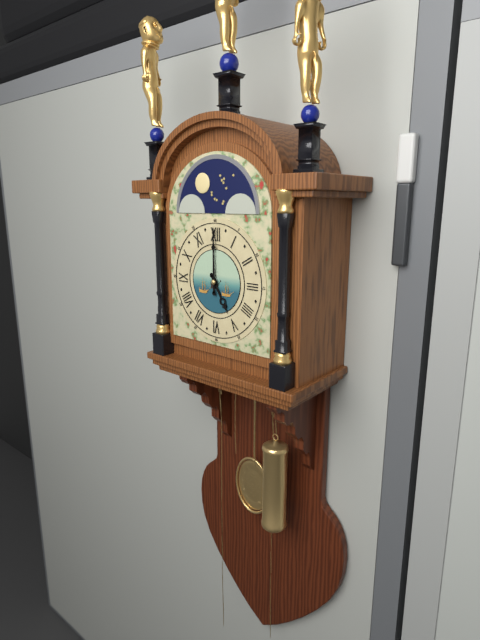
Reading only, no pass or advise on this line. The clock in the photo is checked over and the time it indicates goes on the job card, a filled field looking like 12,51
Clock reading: 5,00
